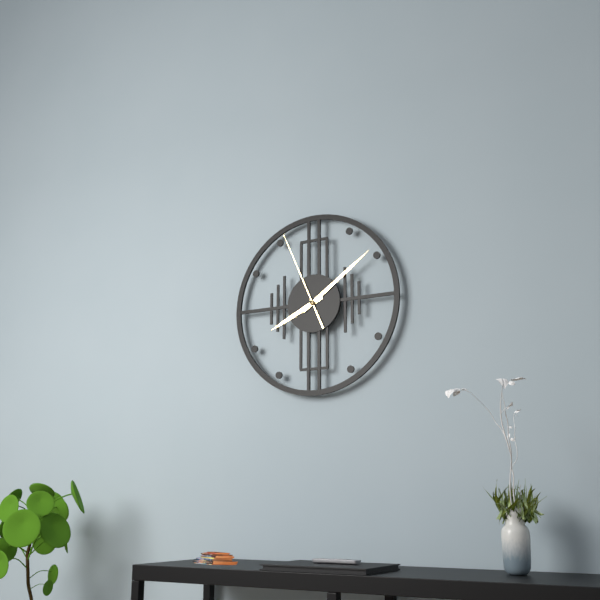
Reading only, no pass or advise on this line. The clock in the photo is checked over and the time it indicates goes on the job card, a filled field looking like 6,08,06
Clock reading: 8,09,56
